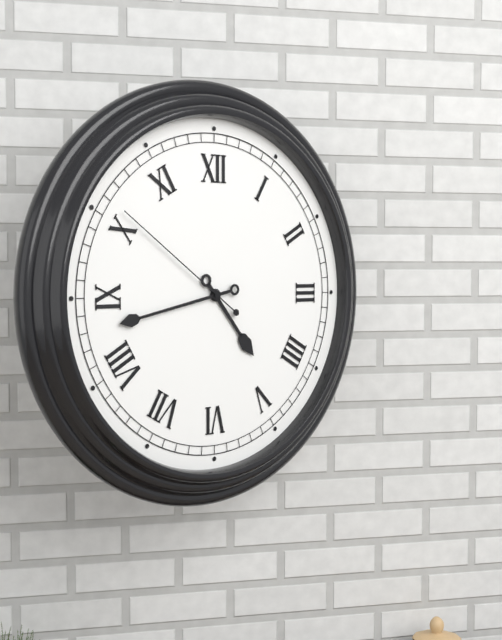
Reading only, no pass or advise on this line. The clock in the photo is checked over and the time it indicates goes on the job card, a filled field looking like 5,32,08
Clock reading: 4,43,51
